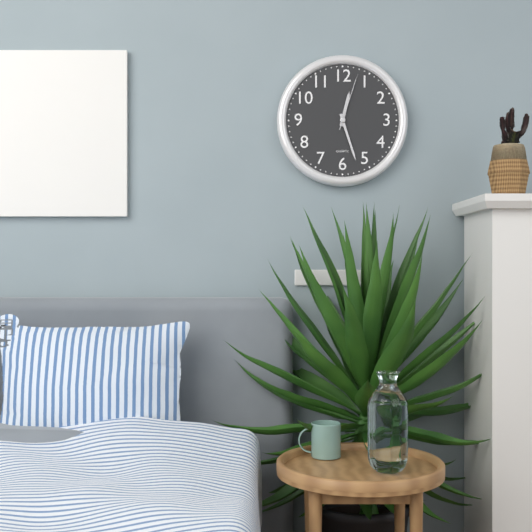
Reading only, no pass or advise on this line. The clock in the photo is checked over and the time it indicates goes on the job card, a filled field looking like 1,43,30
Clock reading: 12,27,03
